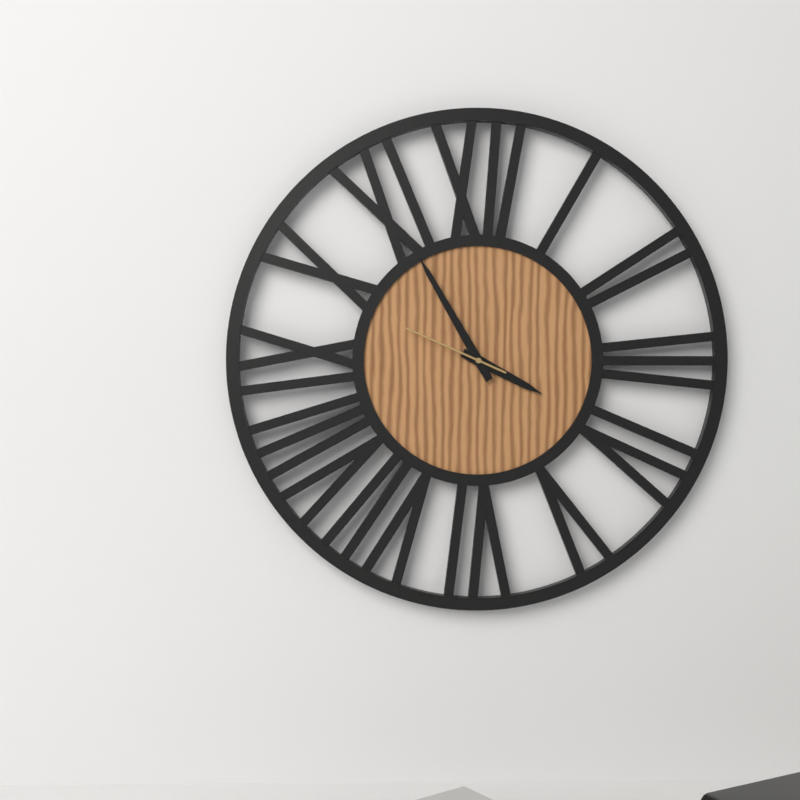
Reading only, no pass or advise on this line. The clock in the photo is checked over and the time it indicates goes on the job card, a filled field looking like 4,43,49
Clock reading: 3,55,49
